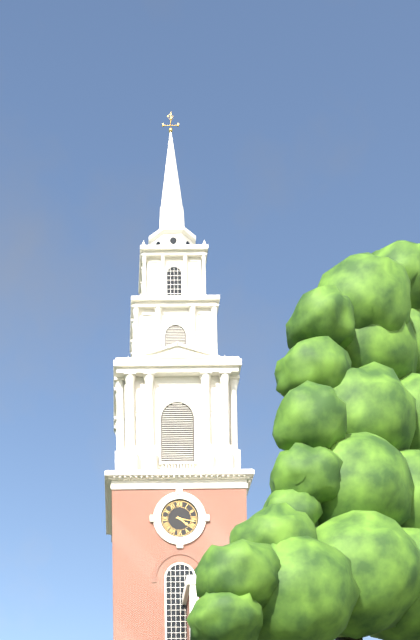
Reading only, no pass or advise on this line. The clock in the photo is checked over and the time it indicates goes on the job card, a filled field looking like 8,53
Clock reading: 4,17
